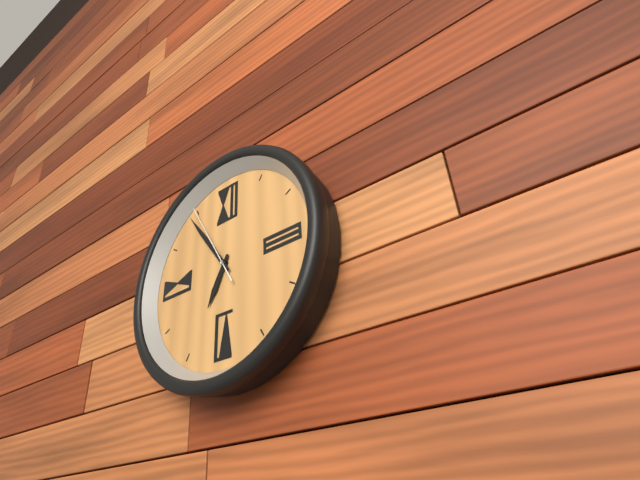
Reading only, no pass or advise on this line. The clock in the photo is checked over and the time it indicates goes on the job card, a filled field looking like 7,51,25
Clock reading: 6,54,55
